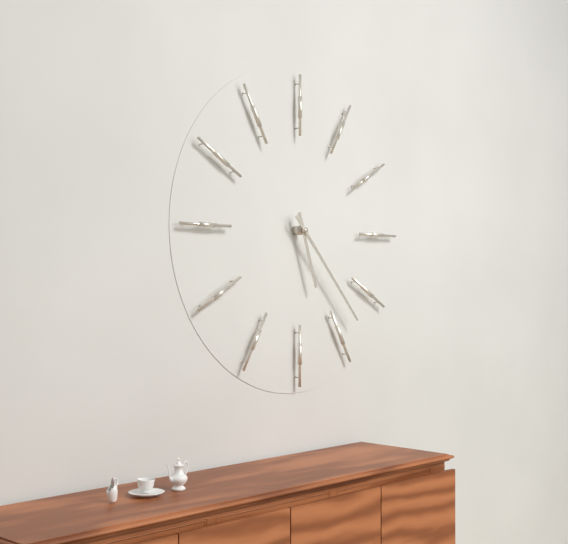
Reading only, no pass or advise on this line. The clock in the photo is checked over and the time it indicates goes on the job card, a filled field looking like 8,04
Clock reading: 5,23
